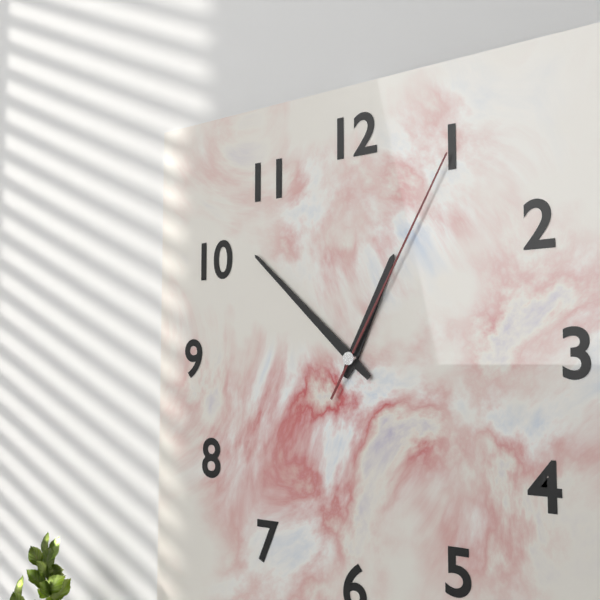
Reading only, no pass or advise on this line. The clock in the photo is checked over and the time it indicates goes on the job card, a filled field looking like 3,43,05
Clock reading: 12,52,05
